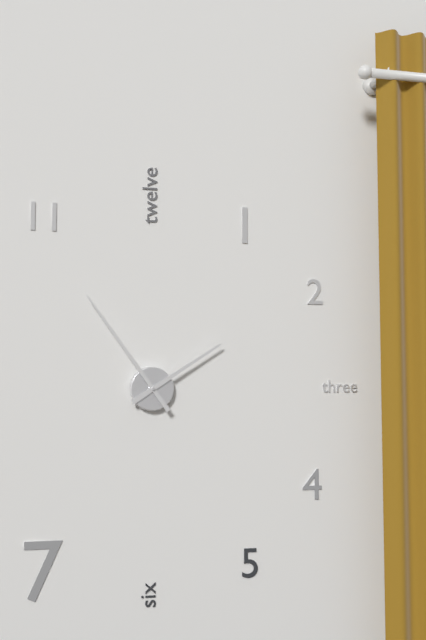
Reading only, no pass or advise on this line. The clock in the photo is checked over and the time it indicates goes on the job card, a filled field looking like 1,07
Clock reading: 1,54
